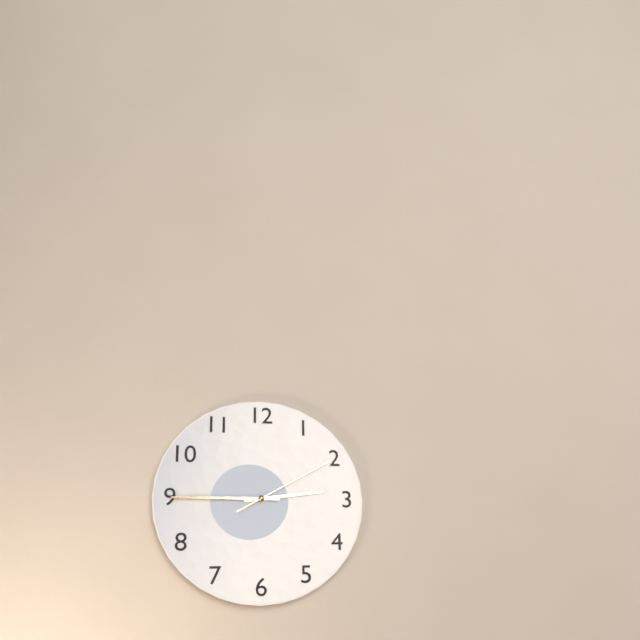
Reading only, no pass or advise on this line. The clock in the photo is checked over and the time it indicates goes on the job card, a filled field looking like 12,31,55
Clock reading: 2,45,10
